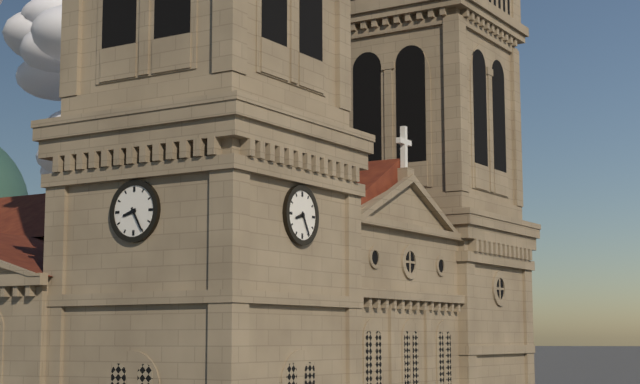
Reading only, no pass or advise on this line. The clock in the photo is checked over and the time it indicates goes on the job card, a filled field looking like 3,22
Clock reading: 8,25
